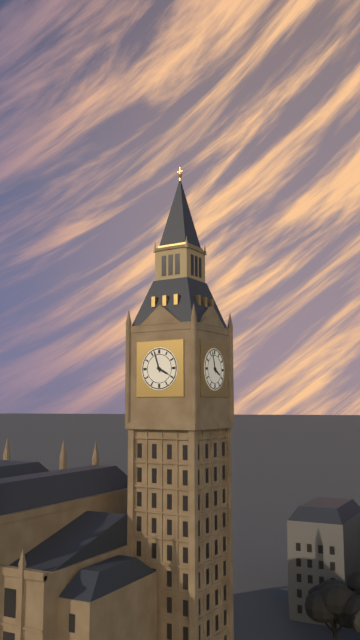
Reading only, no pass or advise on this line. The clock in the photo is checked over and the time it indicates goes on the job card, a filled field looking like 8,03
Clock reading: 3,57
